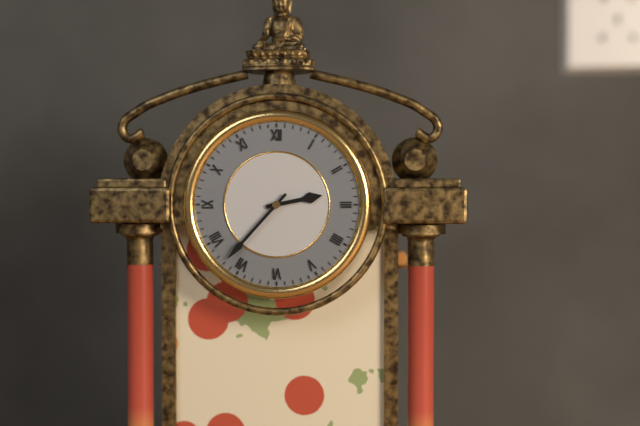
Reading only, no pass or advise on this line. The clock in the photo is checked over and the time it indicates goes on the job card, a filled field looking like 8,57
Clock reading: 2,37
